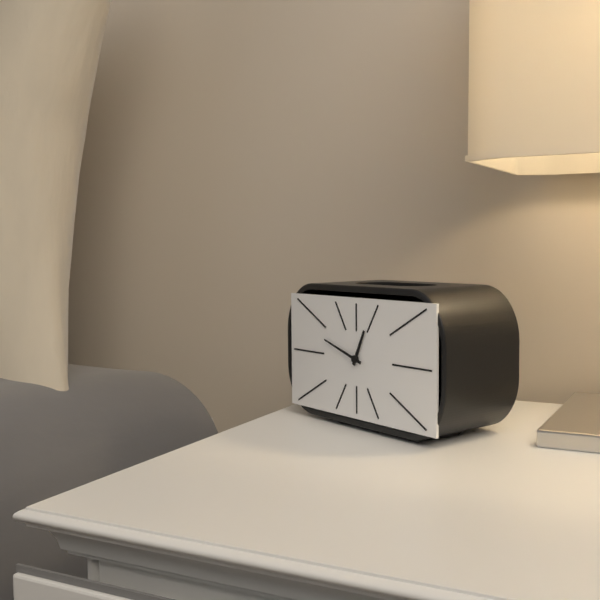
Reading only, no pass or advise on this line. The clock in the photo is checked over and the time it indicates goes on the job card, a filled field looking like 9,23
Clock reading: 12,48
